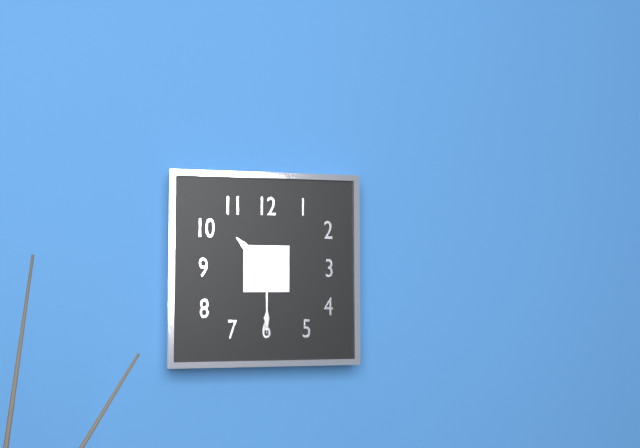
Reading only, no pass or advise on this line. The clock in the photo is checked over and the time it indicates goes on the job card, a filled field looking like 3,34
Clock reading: 10,30
